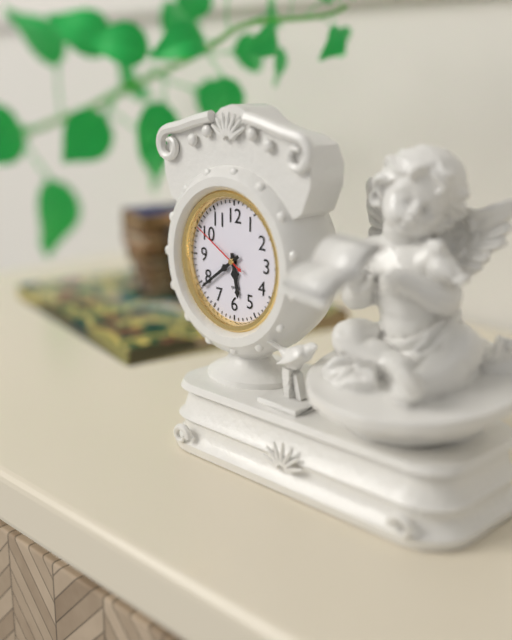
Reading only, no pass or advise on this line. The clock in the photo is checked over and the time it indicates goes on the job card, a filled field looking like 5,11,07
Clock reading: 5,39,50
